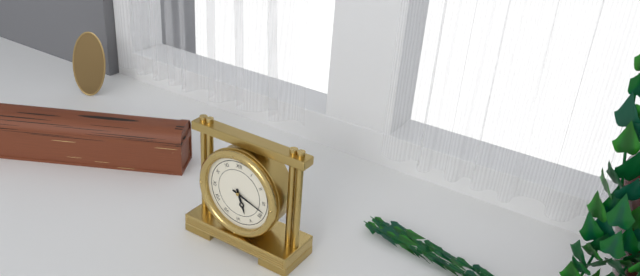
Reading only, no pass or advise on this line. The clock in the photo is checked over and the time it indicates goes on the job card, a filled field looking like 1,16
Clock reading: 5,18
